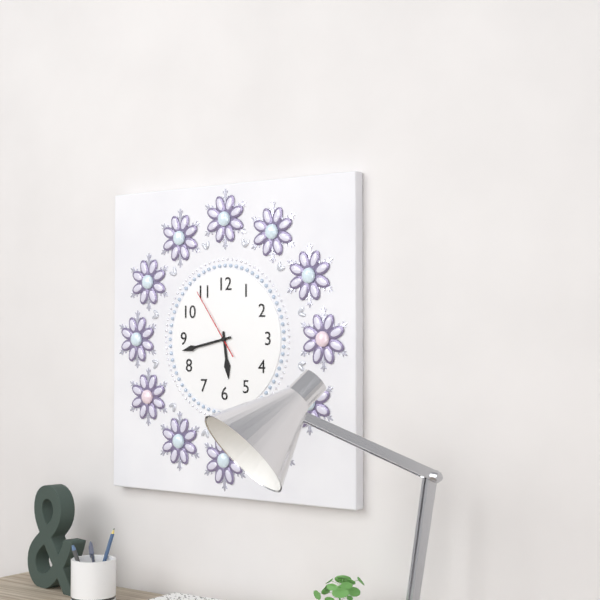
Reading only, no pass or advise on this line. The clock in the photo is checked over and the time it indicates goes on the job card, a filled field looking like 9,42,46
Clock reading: 5,43,54
